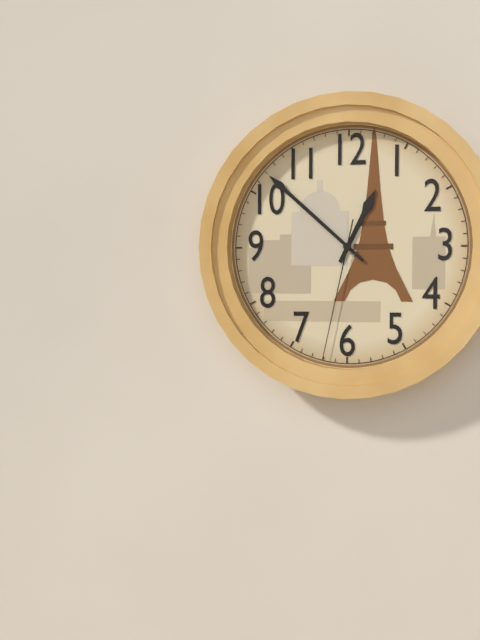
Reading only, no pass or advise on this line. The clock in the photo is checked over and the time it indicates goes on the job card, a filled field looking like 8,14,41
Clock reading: 12,52,32
